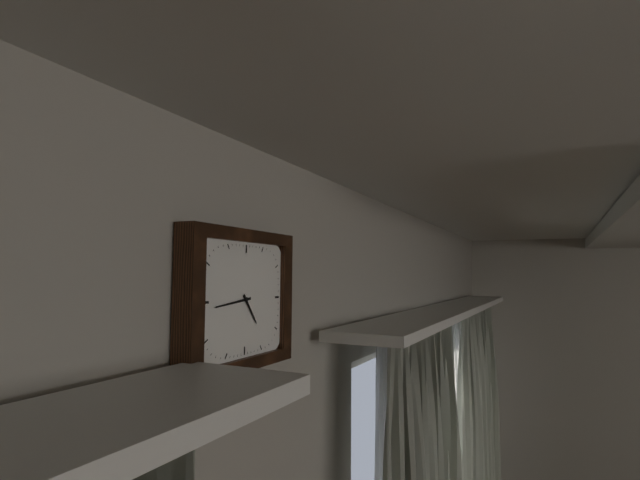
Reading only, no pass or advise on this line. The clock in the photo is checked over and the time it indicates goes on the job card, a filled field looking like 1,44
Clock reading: 4,44
